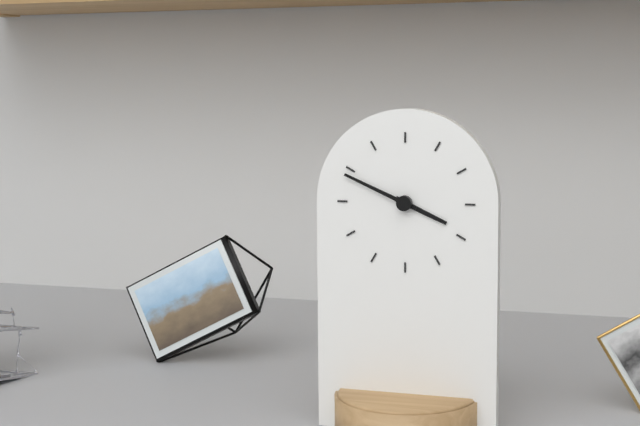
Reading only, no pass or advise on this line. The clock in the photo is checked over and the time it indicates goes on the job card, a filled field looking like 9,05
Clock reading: 3,49
